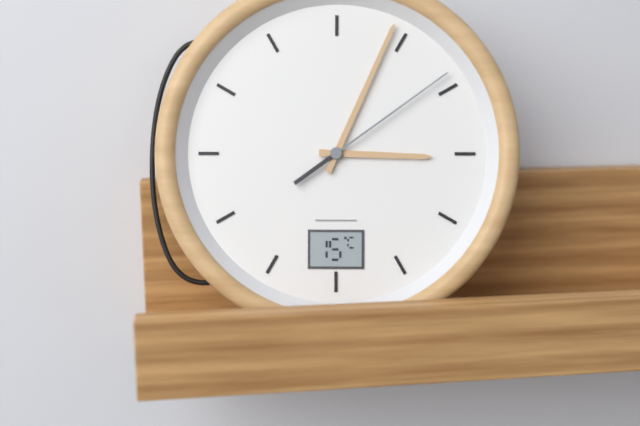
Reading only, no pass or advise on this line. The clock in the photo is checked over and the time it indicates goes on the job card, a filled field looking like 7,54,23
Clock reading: 3,04,09
